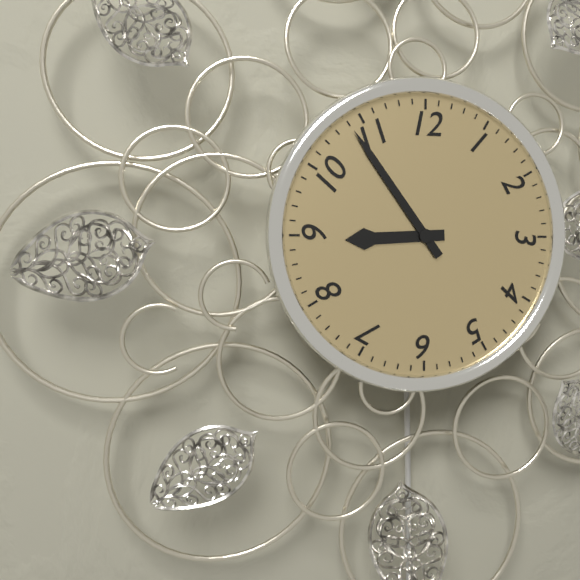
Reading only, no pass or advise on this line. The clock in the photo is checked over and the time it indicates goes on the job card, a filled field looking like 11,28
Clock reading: 8,54
